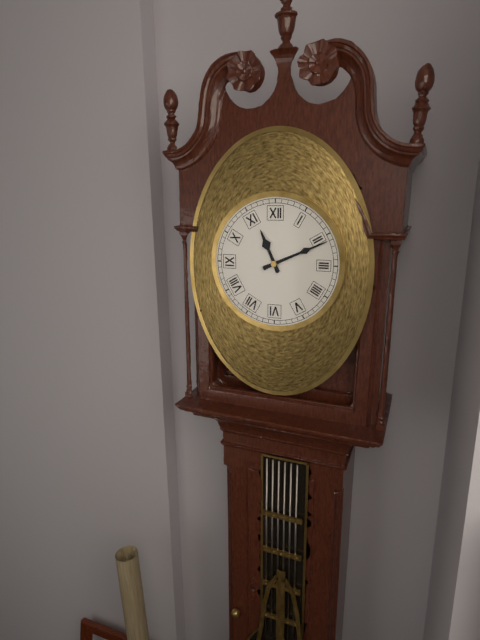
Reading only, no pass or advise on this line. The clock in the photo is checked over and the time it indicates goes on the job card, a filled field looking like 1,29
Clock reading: 11,11
